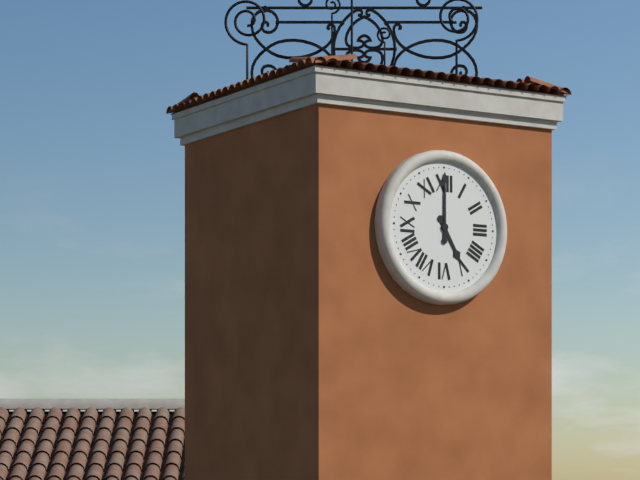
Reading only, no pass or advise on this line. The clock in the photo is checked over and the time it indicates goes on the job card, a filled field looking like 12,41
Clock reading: 5,00
